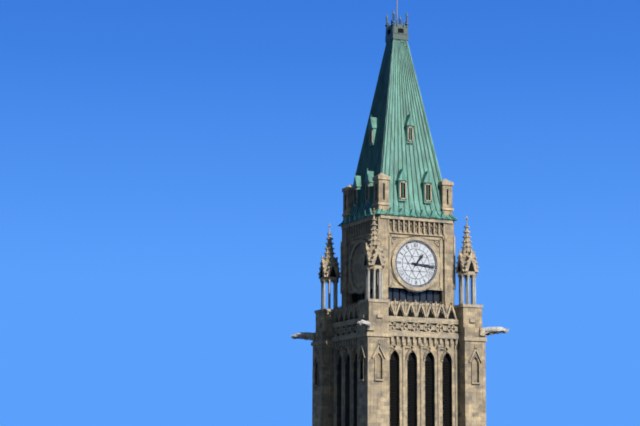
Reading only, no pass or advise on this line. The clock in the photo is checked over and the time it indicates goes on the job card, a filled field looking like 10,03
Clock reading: 1,16
